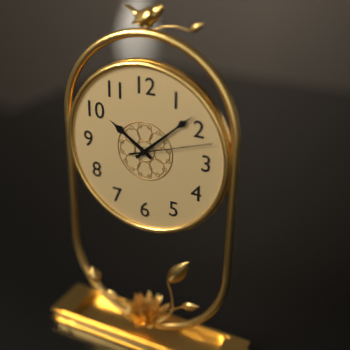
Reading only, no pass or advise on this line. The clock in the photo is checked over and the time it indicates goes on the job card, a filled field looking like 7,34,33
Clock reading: 10,08,12
